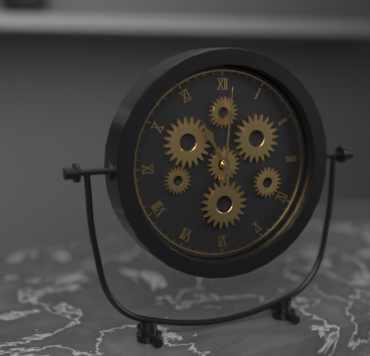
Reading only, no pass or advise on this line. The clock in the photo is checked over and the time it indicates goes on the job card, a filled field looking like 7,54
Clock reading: 11,01
